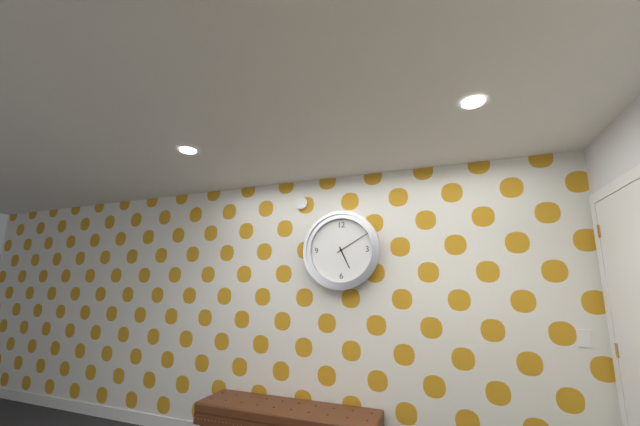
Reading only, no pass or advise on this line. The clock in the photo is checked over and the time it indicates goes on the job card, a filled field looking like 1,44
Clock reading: 5,10
